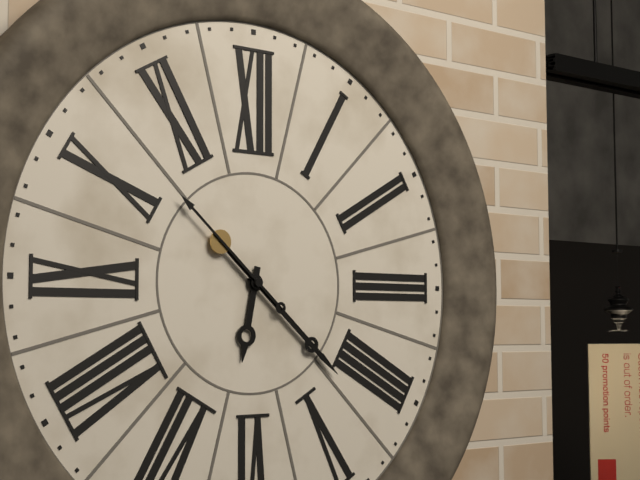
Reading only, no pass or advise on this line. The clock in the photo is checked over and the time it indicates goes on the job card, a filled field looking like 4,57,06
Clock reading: 6,22,52
